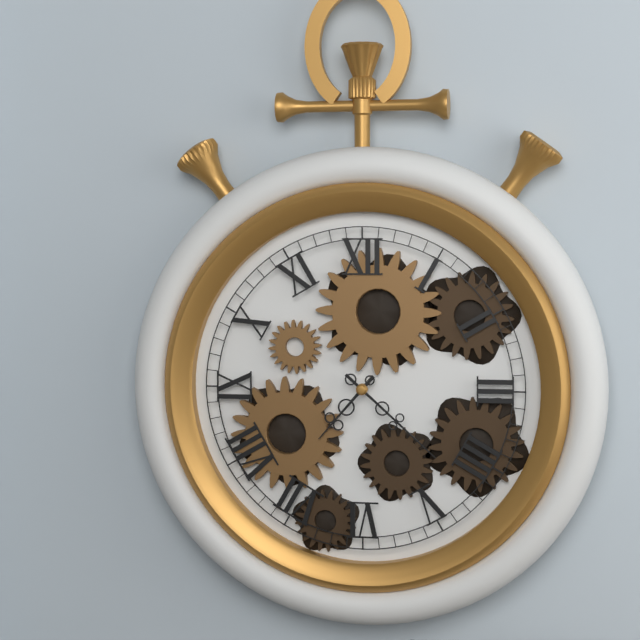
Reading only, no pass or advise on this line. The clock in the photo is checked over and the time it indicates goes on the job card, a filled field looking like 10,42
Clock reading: 7,22
